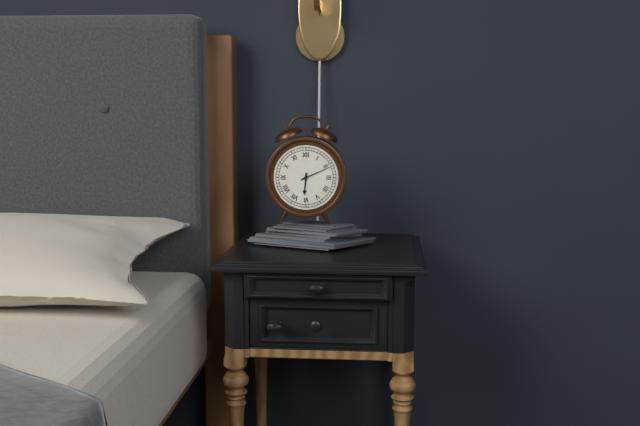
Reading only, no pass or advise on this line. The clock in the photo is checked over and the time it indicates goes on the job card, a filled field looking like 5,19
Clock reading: 6,11
